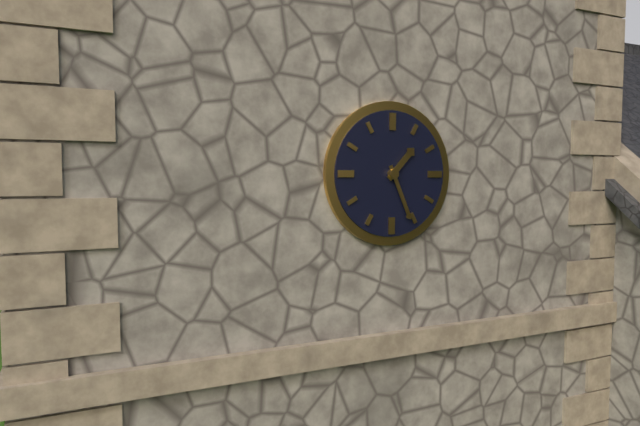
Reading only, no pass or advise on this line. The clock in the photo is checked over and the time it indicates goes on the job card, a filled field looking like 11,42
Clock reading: 1,26
